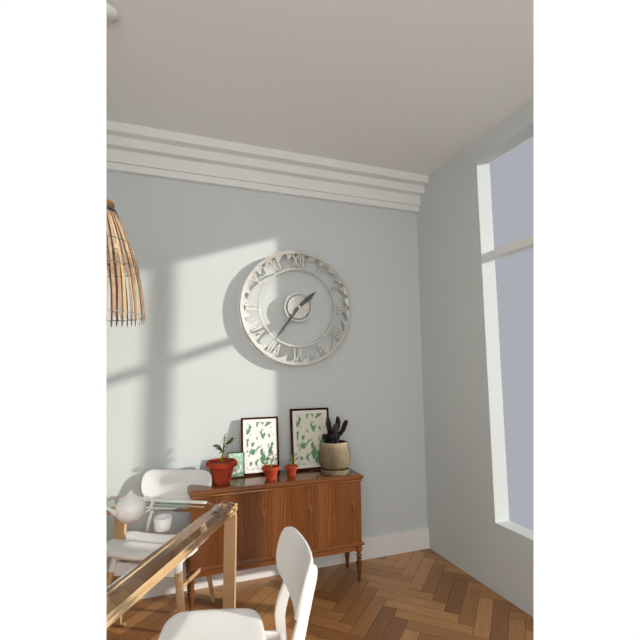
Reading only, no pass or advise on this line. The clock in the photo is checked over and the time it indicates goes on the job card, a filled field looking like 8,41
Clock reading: 1,36
